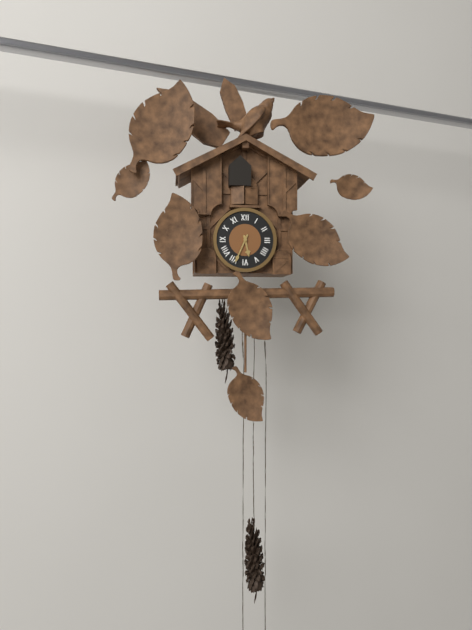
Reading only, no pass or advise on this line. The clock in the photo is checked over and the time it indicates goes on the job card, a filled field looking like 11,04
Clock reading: 5,34
